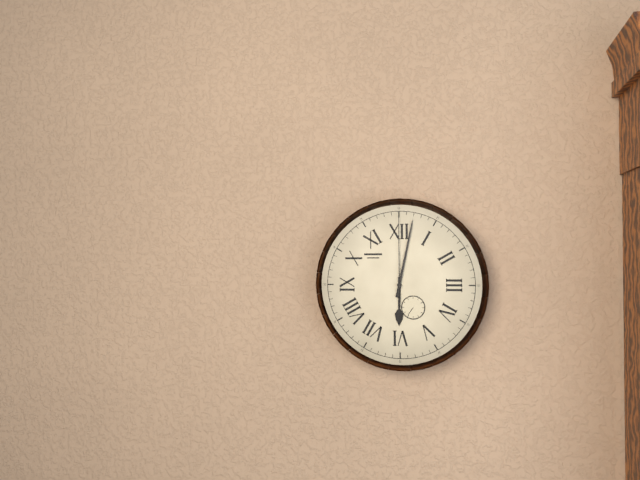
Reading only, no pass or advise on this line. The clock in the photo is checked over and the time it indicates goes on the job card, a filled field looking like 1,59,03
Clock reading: 6,02,00
